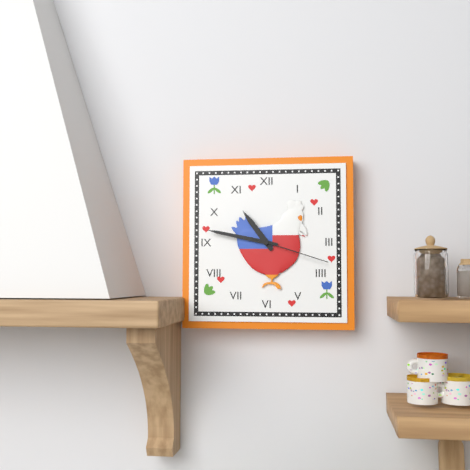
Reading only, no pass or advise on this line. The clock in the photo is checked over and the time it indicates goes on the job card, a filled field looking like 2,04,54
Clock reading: 10,47,18
